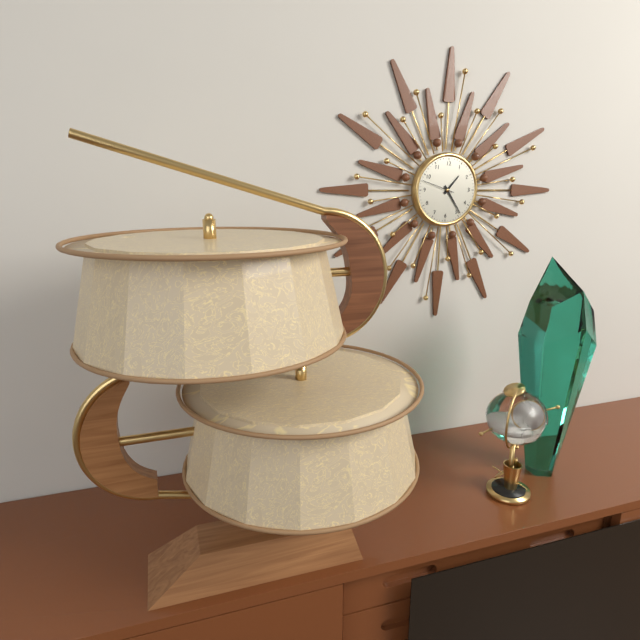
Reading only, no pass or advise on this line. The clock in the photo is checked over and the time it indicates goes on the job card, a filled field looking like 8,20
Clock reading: 1,24
